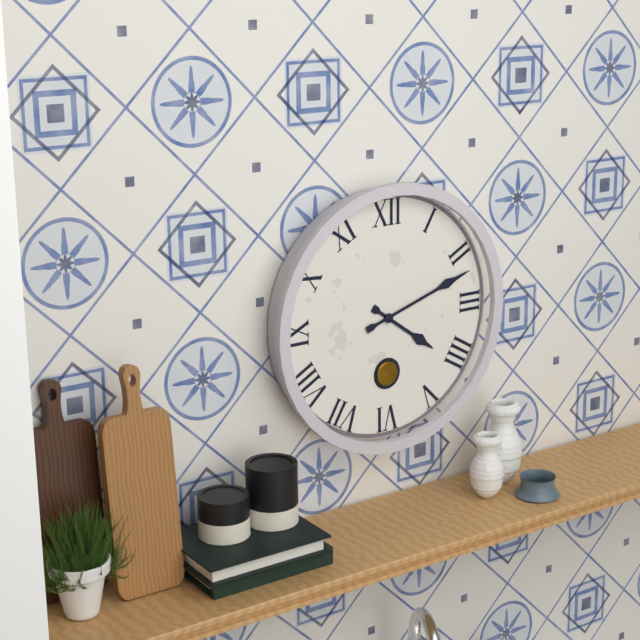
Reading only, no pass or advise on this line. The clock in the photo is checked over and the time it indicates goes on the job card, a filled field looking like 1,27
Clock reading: 4,12
